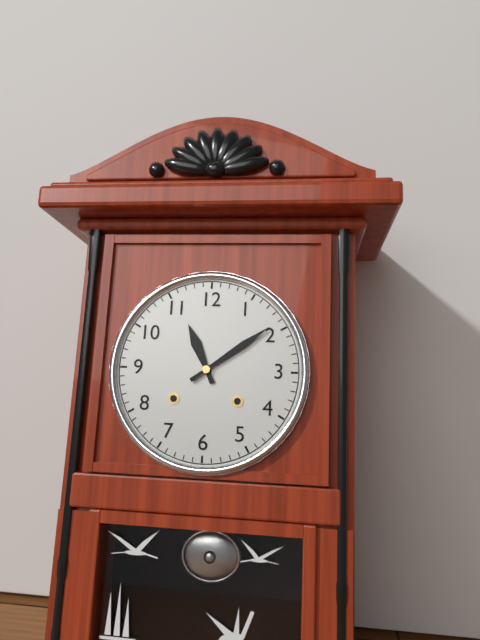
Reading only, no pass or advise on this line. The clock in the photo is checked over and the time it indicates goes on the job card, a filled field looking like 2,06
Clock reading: 11,09
